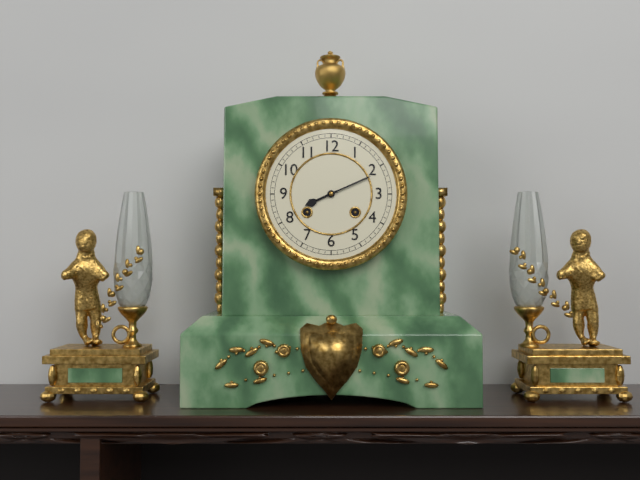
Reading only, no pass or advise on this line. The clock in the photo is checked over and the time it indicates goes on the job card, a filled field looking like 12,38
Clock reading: 8,11
